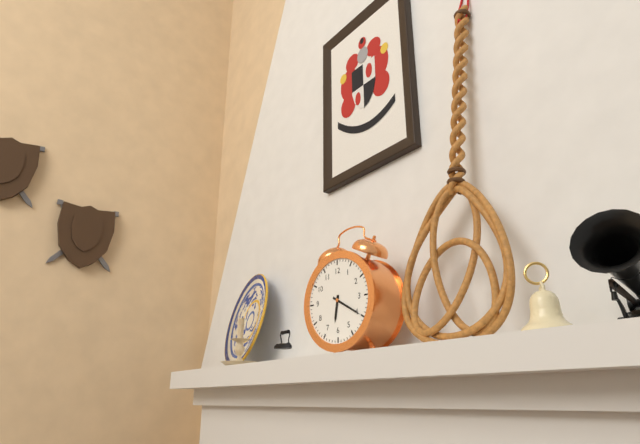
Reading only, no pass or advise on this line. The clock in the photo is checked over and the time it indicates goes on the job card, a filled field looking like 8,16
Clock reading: 6,20
